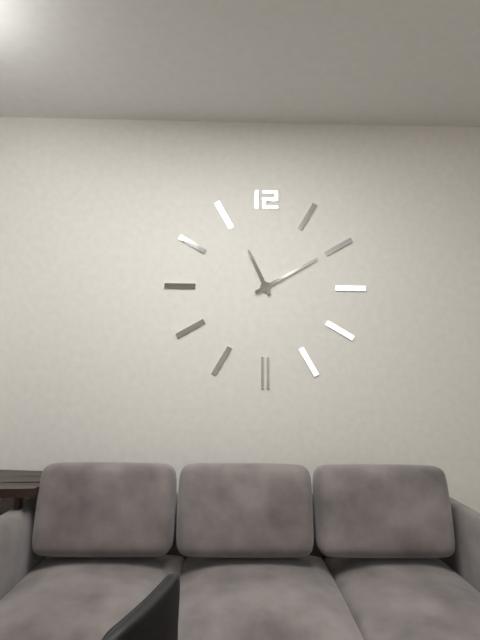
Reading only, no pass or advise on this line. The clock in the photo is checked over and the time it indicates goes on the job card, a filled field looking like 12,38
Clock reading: 11,10
